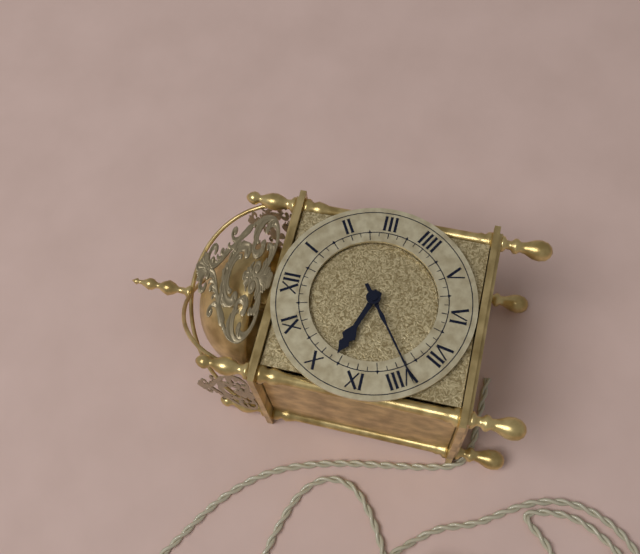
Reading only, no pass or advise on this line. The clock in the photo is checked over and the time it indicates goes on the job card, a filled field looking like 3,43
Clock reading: 9,39
